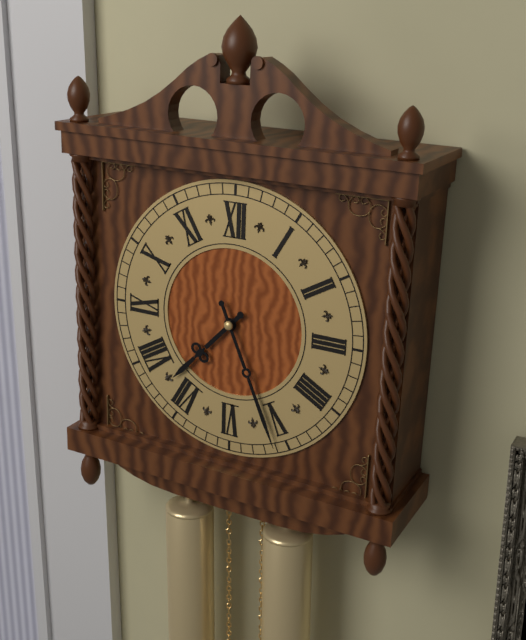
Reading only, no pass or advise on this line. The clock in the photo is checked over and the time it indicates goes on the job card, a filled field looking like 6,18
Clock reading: 7,26
